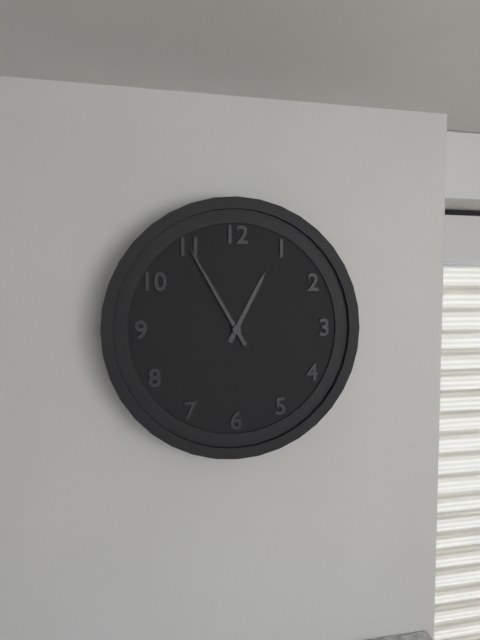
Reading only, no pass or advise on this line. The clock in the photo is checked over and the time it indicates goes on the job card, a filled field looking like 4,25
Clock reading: 12,55
